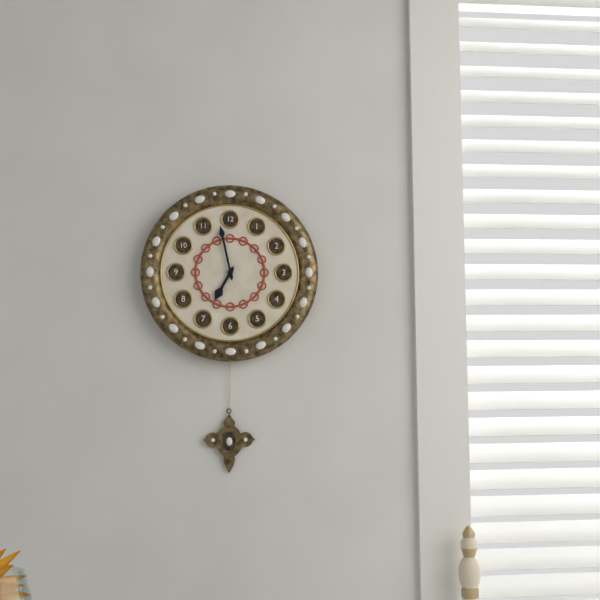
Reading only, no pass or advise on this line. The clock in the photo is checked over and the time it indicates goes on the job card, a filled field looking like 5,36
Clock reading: 6,58
